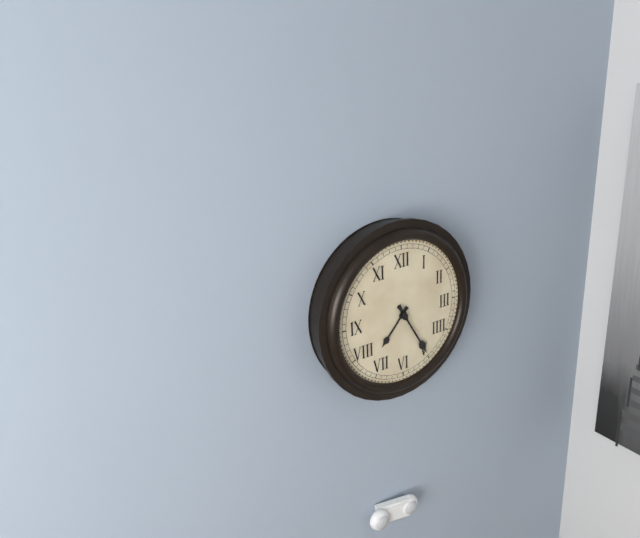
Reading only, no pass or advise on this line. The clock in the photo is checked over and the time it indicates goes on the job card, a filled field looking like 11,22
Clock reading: 7,25
